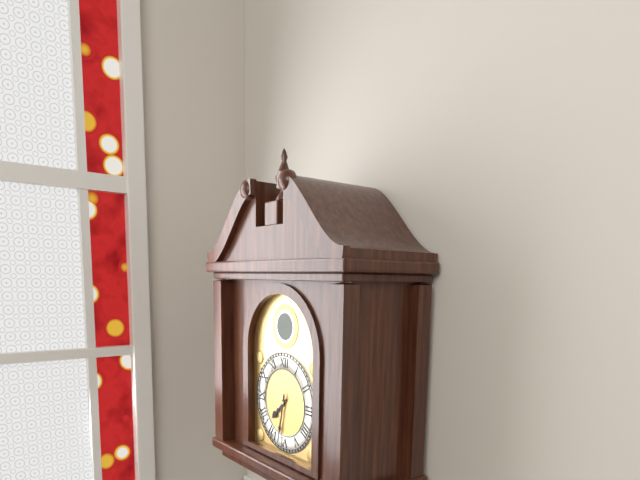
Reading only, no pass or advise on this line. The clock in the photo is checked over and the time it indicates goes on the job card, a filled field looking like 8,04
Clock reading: 7,32
